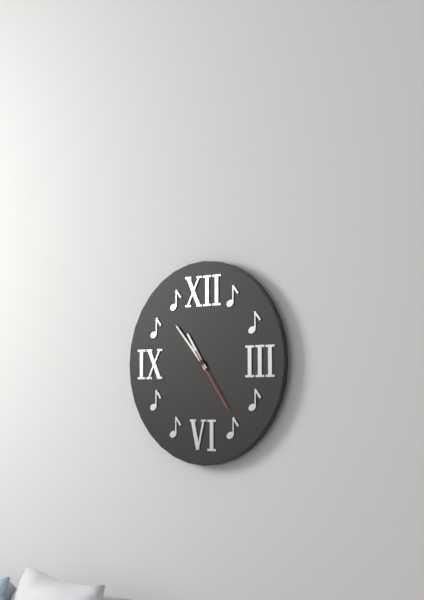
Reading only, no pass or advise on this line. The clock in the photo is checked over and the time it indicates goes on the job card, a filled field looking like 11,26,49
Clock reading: 10,53,24
